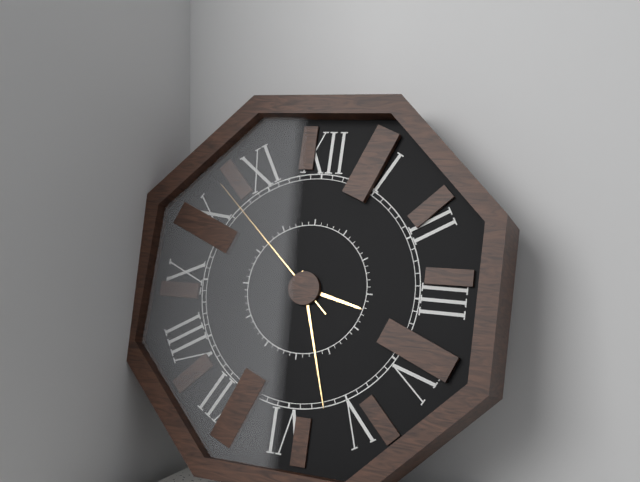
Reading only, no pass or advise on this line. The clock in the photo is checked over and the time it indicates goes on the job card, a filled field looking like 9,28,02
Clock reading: 3,27,52
